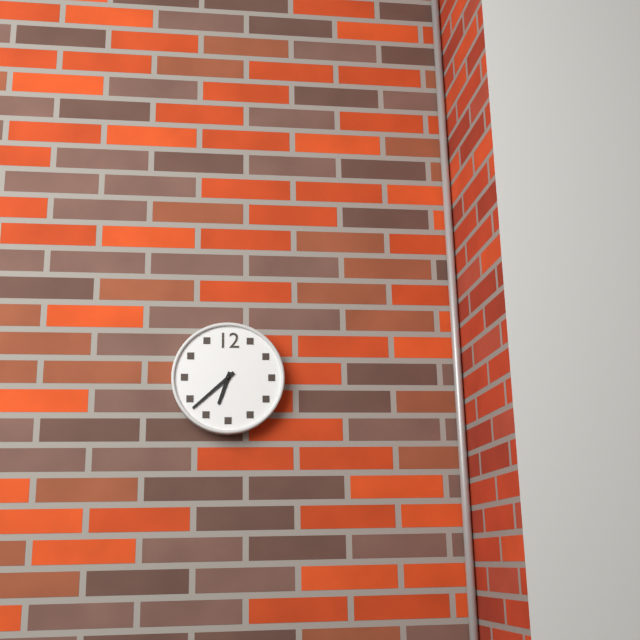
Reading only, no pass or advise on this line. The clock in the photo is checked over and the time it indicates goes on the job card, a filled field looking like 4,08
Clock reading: 6,38
